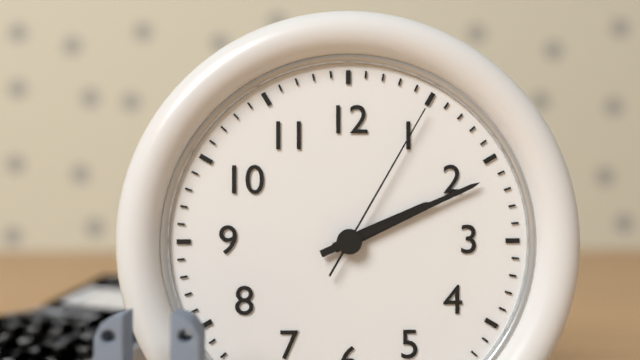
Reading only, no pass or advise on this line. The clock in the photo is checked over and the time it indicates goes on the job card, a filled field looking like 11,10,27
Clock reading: 2,11,05
